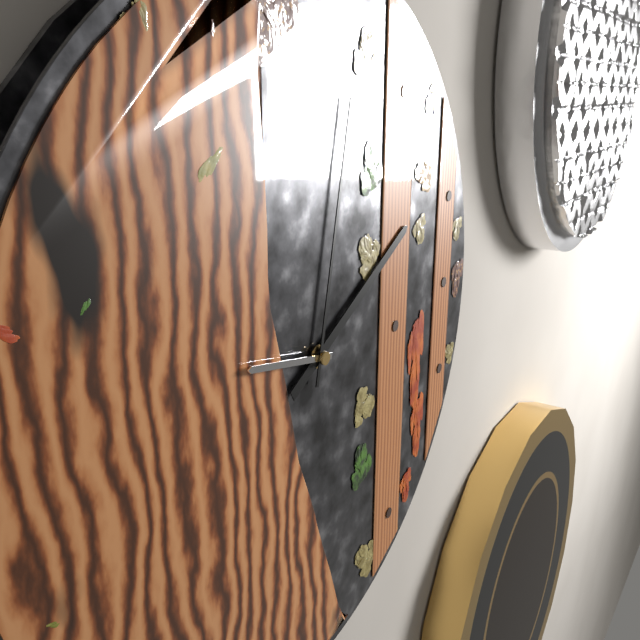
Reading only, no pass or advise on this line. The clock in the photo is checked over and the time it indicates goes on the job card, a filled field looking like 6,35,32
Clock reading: 2,02,47
